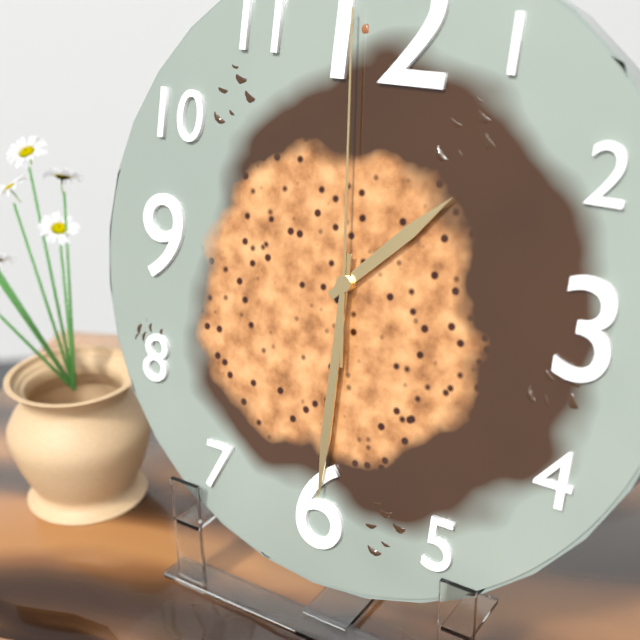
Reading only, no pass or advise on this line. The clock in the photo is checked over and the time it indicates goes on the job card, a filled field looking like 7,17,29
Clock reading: 1,30,59
